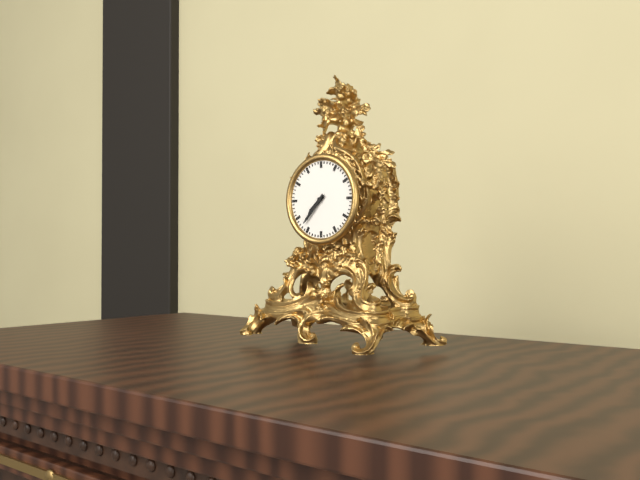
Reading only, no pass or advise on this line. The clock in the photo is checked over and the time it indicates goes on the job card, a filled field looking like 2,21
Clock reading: 7,37
